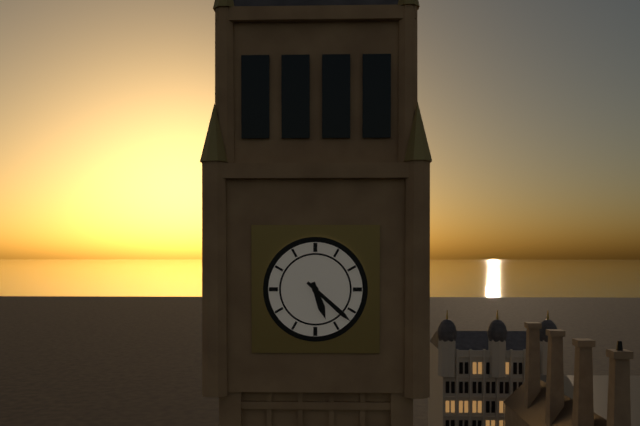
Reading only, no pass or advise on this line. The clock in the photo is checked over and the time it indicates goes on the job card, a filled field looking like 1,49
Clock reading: 5,22
